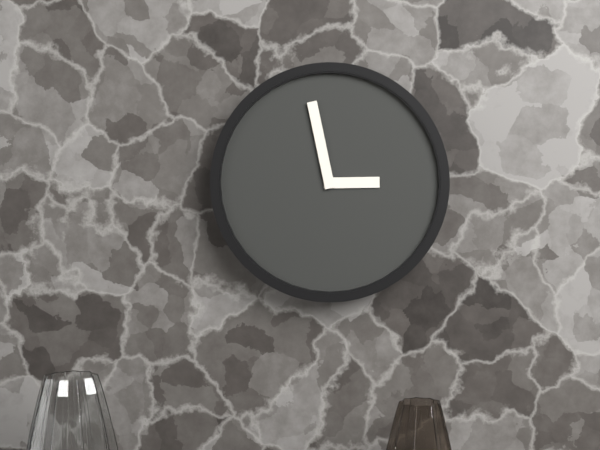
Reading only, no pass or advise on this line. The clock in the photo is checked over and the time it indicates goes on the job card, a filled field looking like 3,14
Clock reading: 2,58
